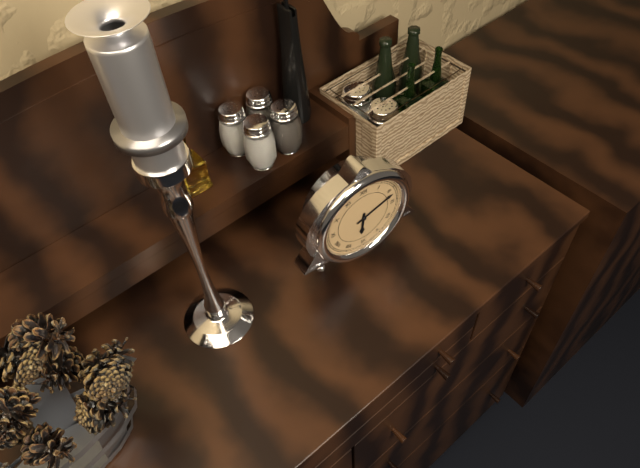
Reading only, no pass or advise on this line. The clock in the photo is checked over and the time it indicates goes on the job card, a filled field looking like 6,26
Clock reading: 6,12
